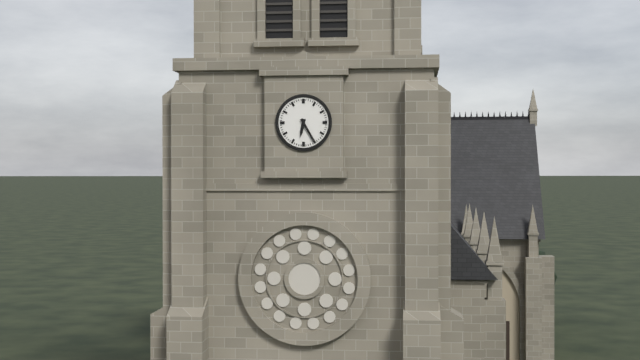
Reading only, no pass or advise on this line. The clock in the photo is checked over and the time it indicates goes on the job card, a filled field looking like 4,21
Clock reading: 6,25
